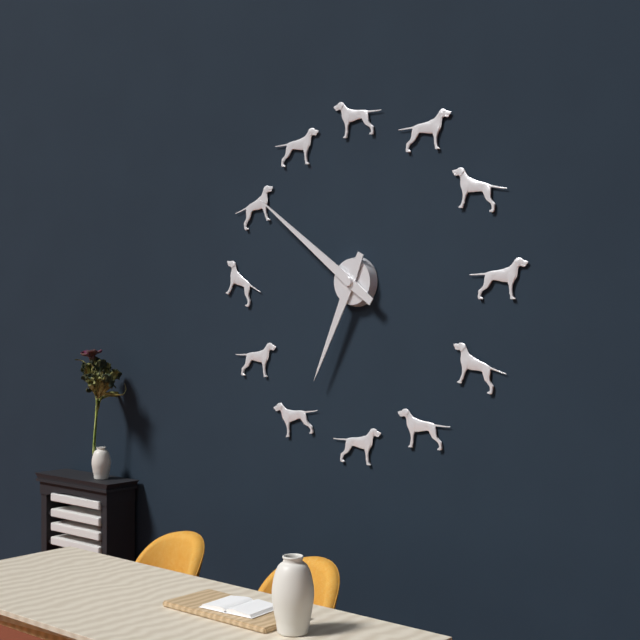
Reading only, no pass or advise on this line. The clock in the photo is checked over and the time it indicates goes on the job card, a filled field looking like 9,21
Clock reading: 6,51
